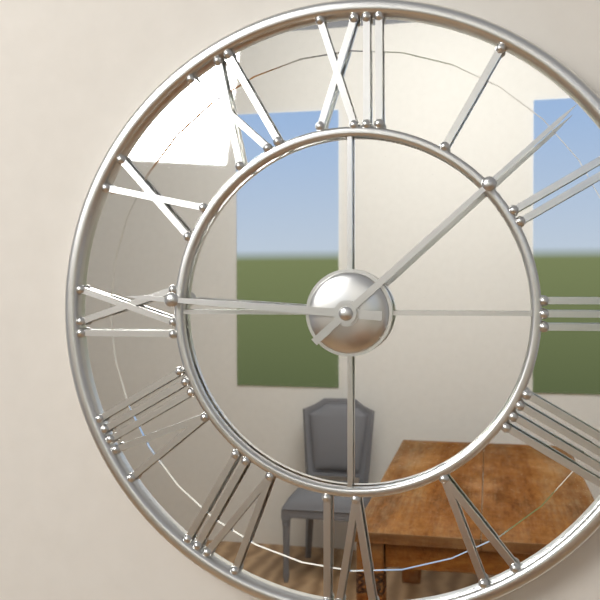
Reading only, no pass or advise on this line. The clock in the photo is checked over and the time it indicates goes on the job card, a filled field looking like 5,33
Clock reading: 9,08
